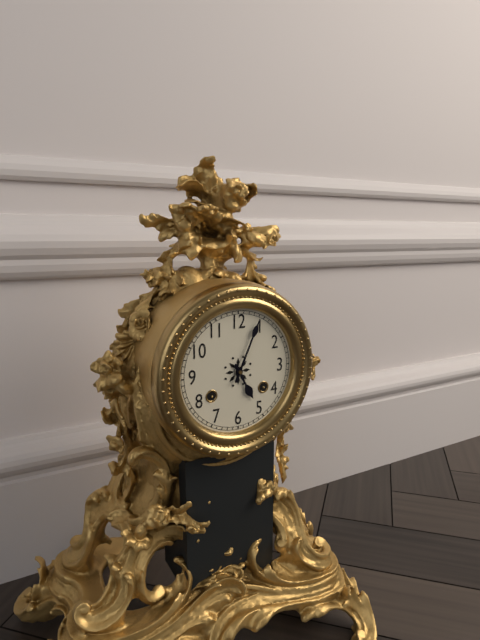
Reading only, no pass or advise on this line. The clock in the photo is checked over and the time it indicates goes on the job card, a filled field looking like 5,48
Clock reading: 5,04
